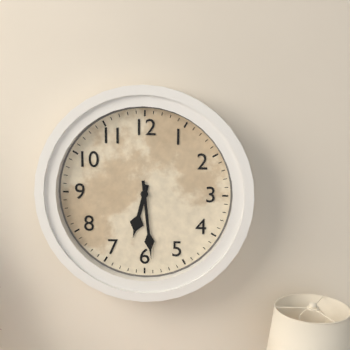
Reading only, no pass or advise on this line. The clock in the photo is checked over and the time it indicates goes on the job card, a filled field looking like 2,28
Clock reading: 6,29
